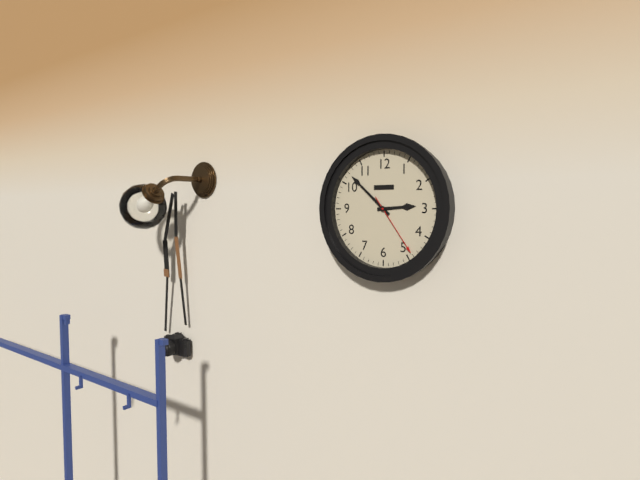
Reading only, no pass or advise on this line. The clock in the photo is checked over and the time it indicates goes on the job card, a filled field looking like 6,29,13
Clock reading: 2,52,24
